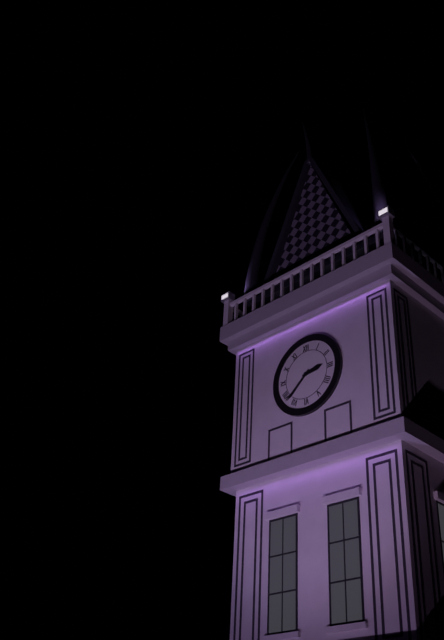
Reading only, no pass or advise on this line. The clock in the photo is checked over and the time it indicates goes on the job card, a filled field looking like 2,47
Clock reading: 2,38
